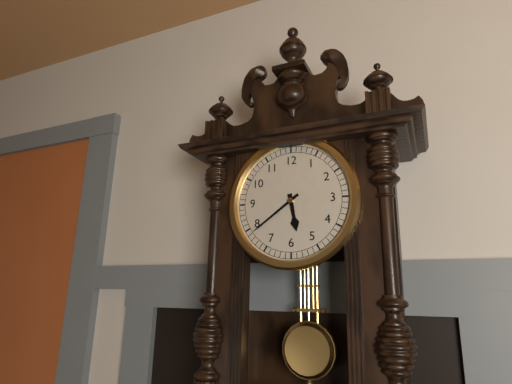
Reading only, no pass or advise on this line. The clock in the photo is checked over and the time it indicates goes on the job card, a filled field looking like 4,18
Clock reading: 5,39
